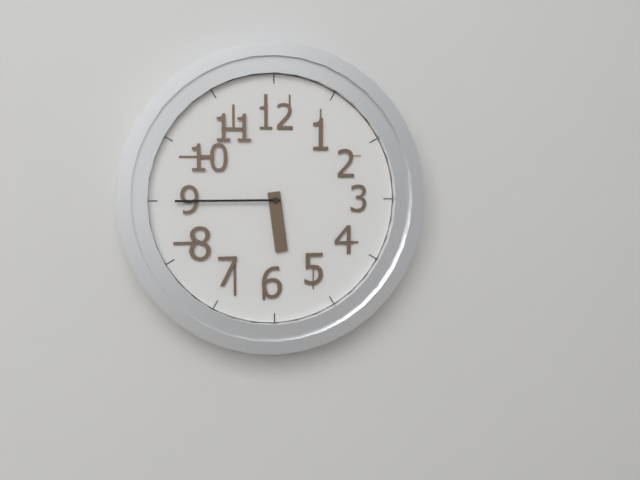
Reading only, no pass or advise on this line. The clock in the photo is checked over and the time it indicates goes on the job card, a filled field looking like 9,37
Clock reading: 5,45
